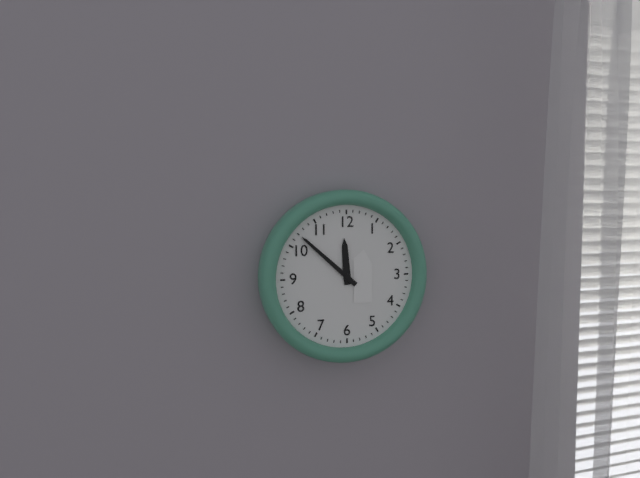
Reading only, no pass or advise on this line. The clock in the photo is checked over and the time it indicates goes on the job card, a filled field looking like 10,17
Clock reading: 11,52
